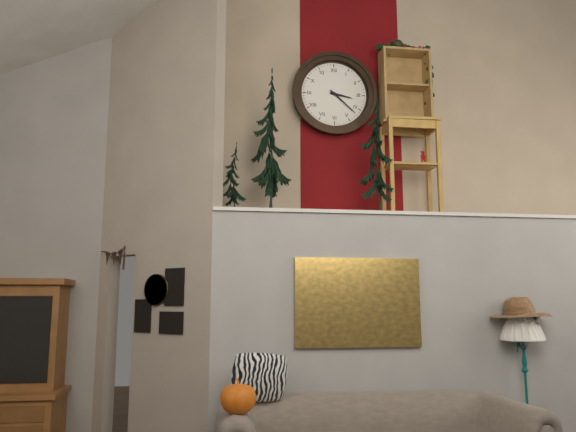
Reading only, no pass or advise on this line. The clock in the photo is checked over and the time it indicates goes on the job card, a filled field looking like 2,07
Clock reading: 3,22
